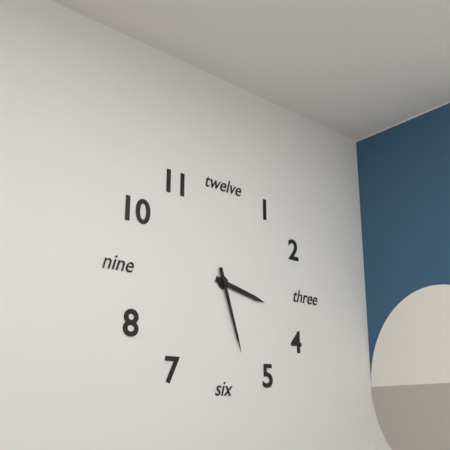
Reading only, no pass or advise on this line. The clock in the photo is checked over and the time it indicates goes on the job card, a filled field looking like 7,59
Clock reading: 3,27
